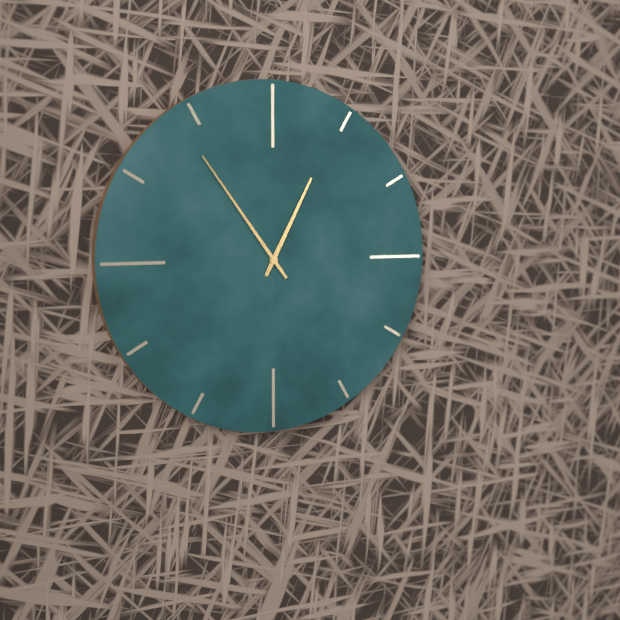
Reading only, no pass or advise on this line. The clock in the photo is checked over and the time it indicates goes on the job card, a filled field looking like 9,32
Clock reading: 12,54
